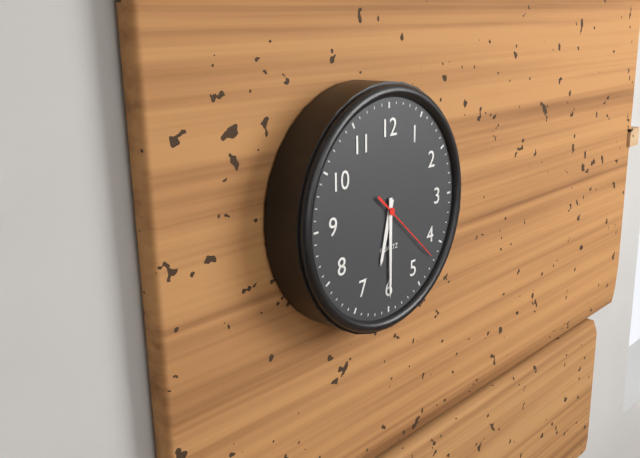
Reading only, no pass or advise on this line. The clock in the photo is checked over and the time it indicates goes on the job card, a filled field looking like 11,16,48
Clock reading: 6,30,22
